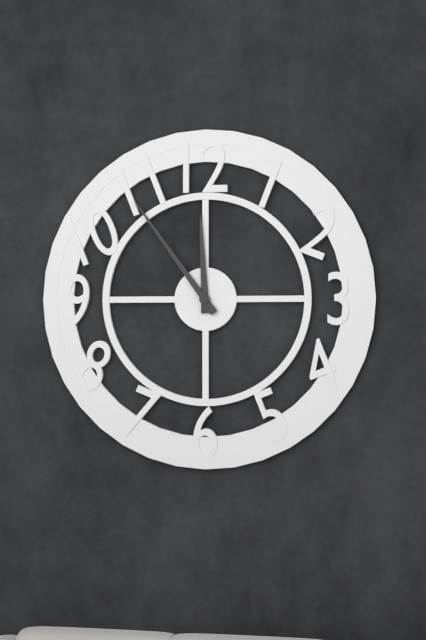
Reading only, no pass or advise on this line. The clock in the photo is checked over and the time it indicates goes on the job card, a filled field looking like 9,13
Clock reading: 11,54
